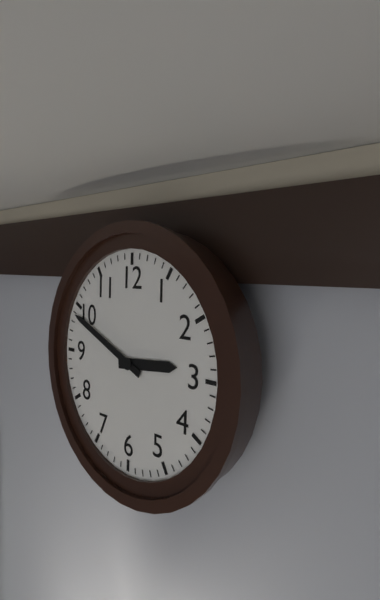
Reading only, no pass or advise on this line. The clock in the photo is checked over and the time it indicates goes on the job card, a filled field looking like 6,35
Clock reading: 2,49
